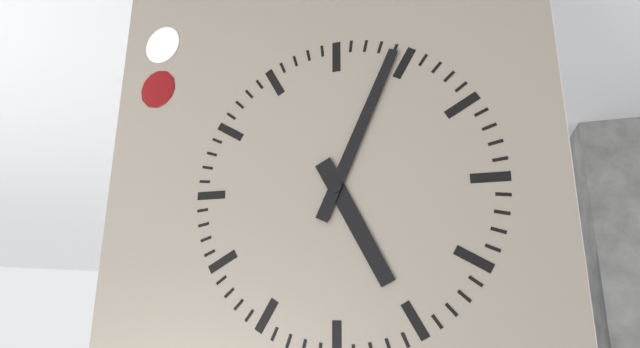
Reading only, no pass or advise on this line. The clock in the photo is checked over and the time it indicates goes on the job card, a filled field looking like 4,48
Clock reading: 5,04
